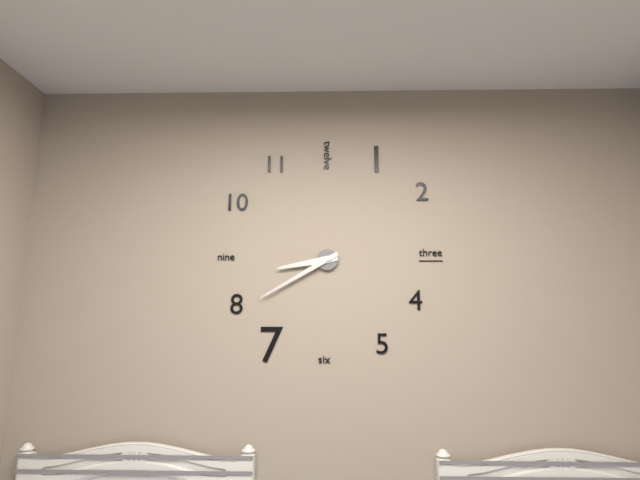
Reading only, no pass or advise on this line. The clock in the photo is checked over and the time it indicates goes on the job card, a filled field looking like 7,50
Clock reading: 8,40
